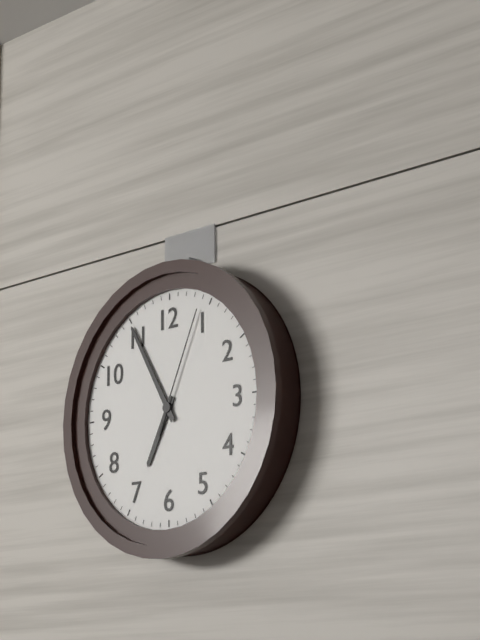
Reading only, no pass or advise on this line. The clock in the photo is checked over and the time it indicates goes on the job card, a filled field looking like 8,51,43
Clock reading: 6,55,04
